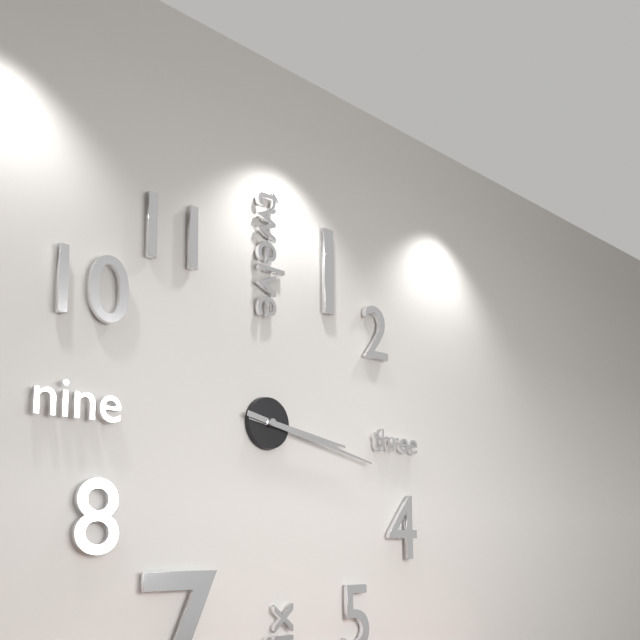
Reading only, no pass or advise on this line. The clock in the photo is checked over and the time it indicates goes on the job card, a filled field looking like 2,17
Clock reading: 3,17
